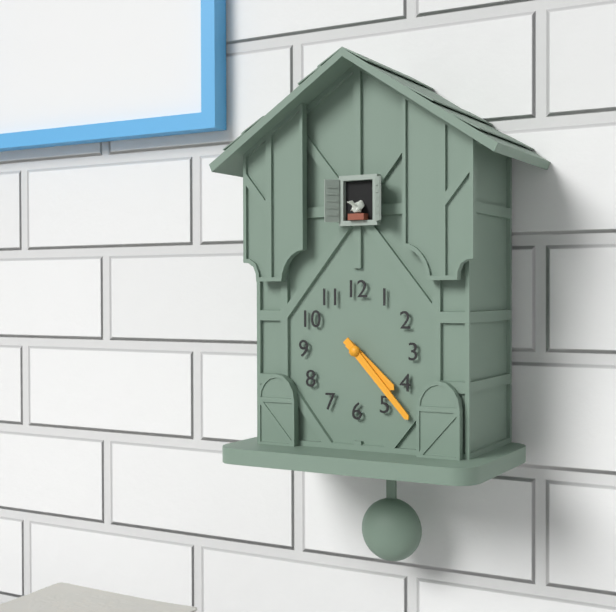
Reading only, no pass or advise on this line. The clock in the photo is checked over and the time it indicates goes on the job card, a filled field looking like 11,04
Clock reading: 4,23
